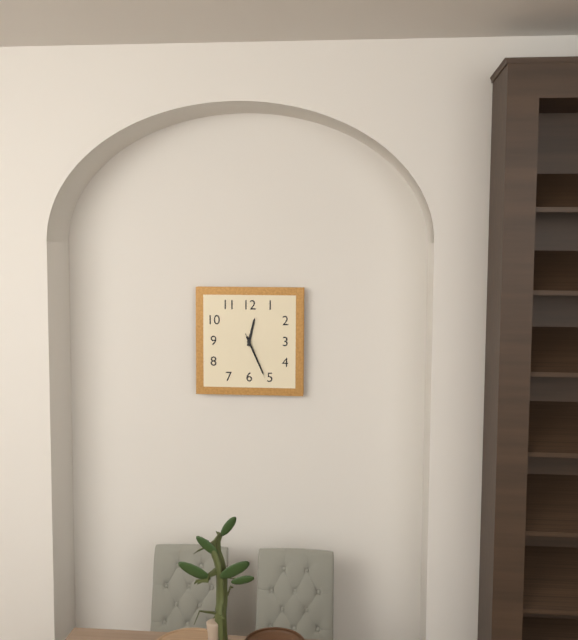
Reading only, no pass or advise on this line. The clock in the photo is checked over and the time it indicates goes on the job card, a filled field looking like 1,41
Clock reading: 12,26
